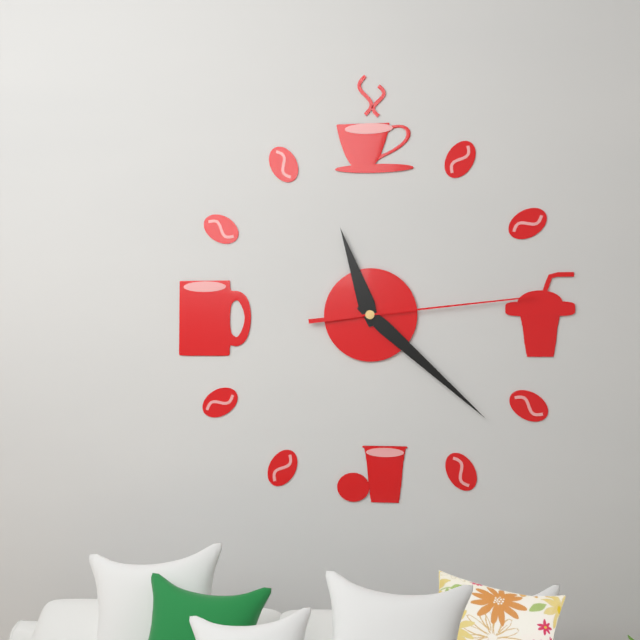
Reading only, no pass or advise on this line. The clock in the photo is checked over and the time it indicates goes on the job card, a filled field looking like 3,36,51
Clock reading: 11,22,14
